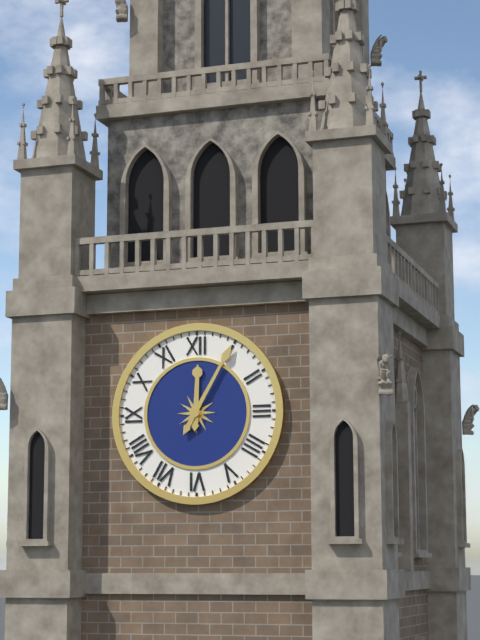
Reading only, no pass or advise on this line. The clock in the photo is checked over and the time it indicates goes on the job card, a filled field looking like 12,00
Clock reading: 12,05
